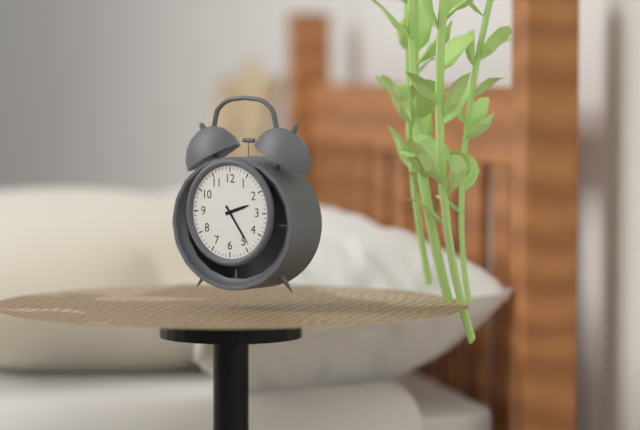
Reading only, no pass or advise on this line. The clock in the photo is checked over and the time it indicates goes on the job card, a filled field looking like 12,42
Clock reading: 2,24
